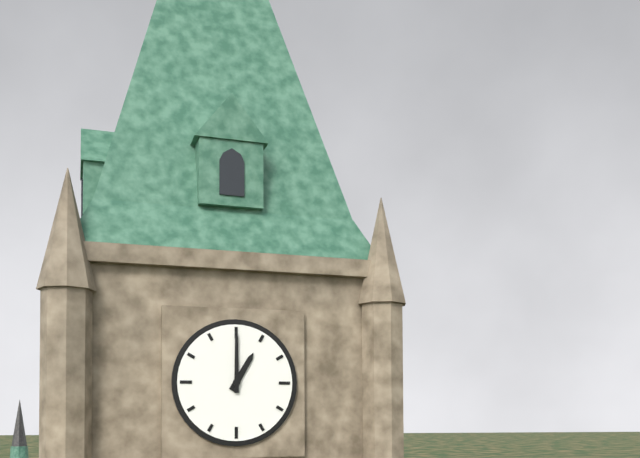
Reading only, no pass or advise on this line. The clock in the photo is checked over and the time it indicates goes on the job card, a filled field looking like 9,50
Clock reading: 1,00
